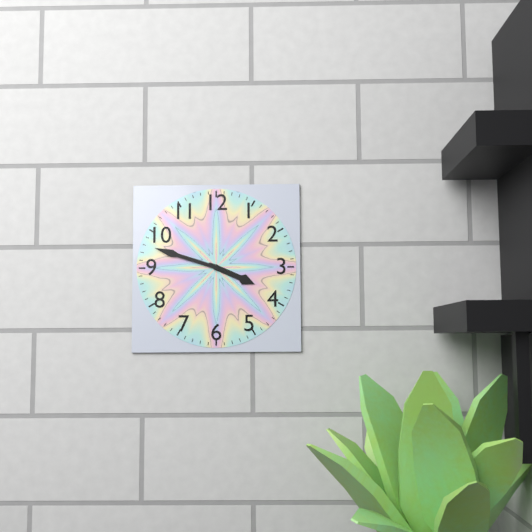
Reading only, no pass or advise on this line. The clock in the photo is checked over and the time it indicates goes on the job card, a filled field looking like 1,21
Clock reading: 3,48
